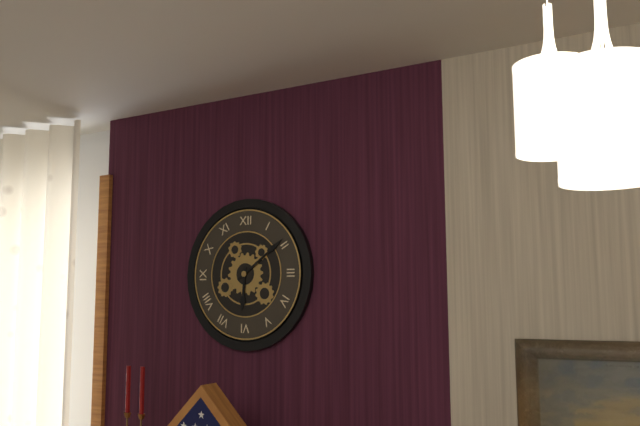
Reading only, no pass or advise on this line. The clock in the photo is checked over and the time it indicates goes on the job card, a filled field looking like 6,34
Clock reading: 6,09
